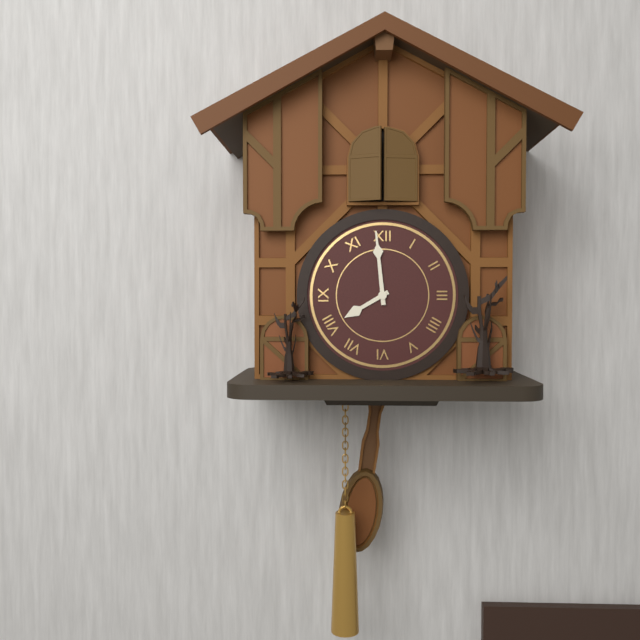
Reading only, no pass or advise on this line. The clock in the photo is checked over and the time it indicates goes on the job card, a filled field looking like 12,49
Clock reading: 7,59
